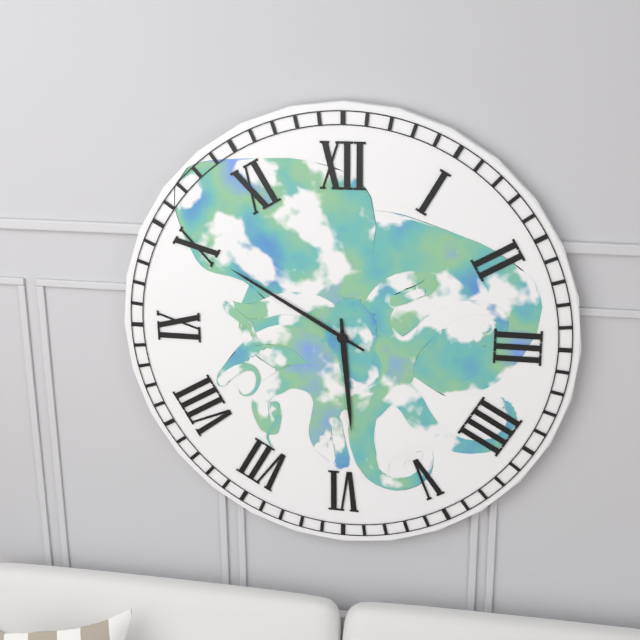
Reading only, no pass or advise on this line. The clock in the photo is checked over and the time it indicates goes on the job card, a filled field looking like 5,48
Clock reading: 5,50
